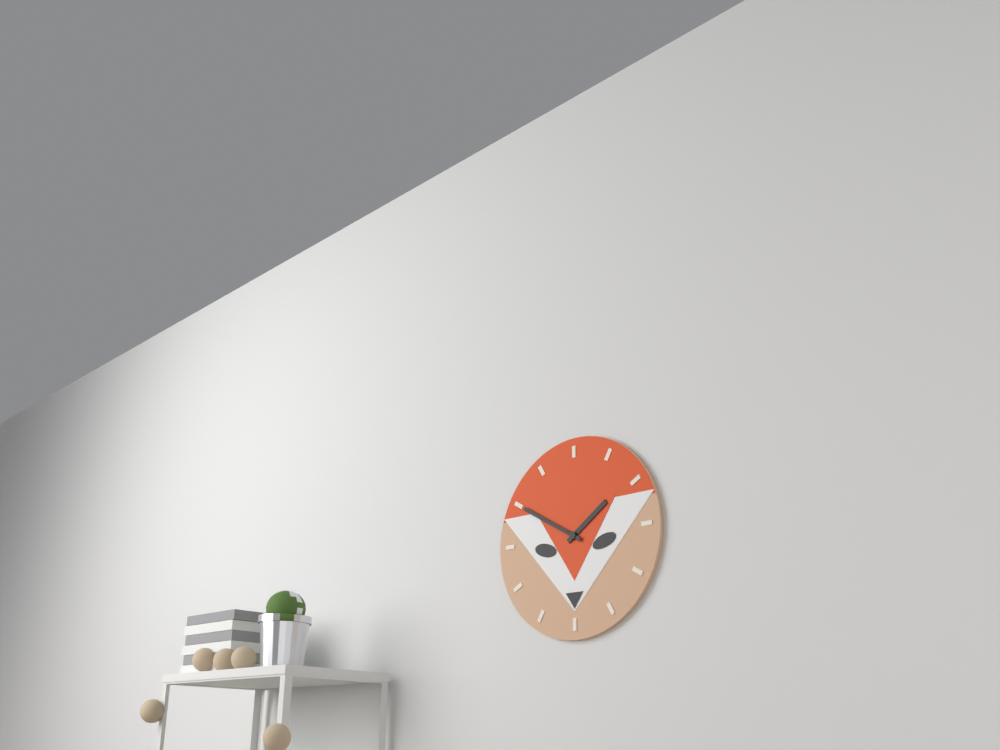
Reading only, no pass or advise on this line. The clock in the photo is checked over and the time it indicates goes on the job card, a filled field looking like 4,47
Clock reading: 1,50
